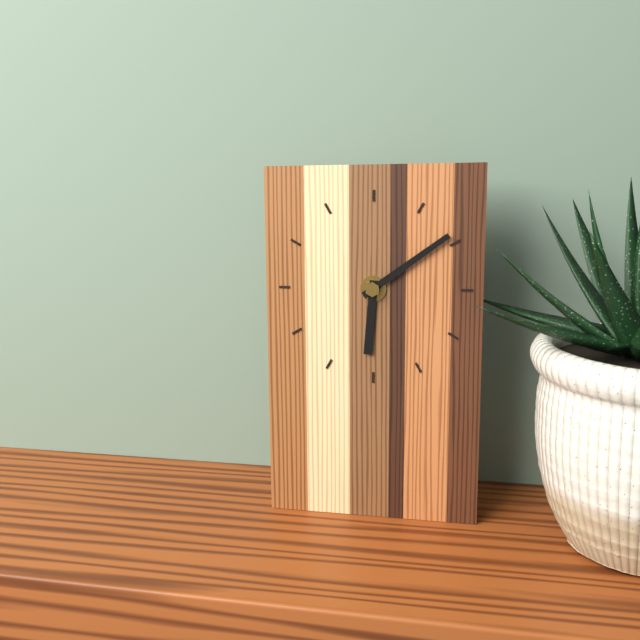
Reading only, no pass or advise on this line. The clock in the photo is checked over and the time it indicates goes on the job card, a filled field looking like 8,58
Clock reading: 6,09
